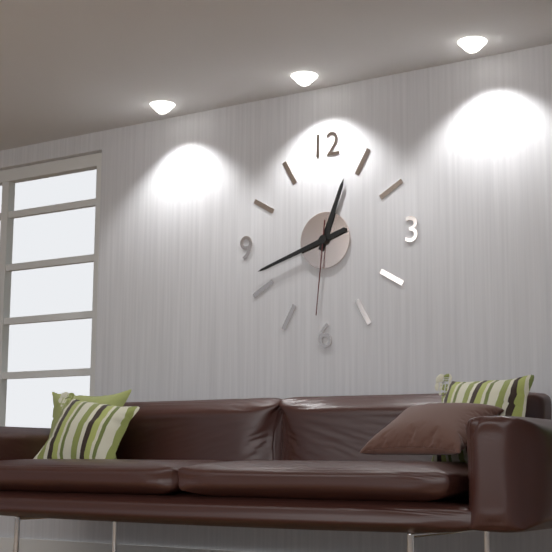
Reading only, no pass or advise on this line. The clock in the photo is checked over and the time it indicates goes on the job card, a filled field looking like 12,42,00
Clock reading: 12,42,31
